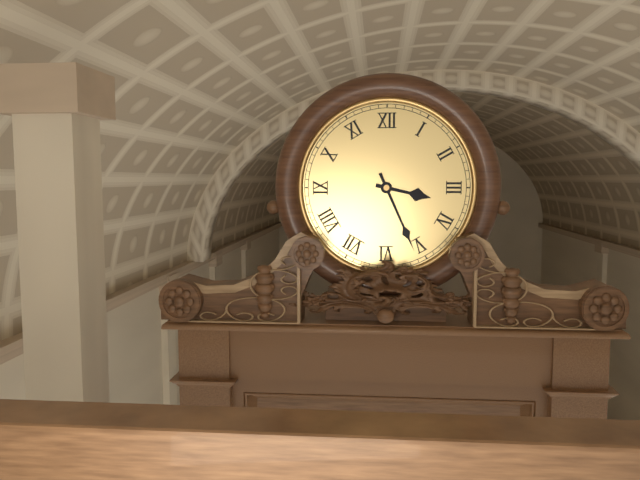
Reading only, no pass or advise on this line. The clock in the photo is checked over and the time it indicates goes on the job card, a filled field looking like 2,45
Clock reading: 3,26
